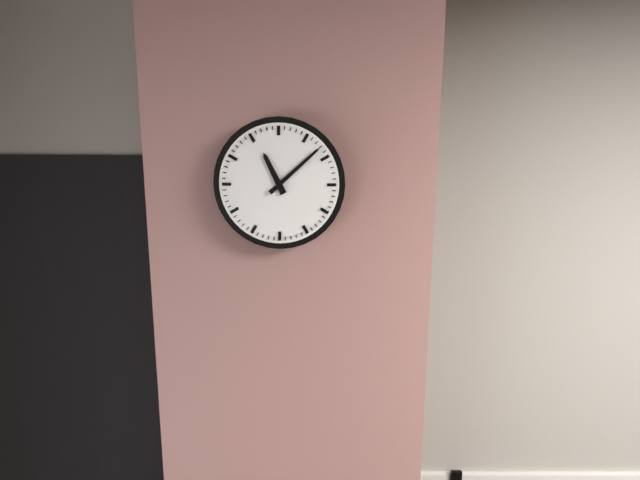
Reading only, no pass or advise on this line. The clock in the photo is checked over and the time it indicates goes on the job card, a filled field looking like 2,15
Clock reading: 11,08
